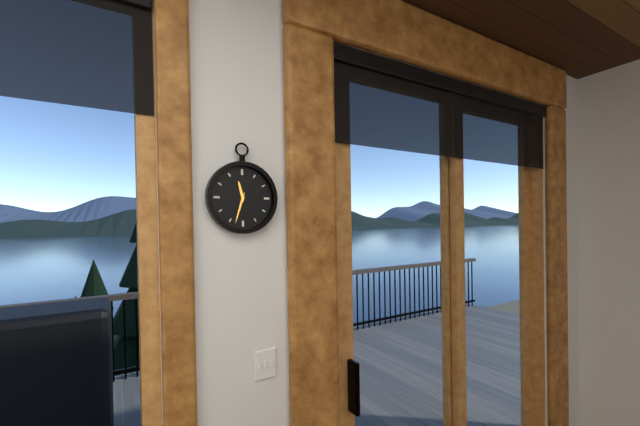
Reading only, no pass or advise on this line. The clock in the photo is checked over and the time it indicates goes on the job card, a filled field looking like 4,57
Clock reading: 11,33
